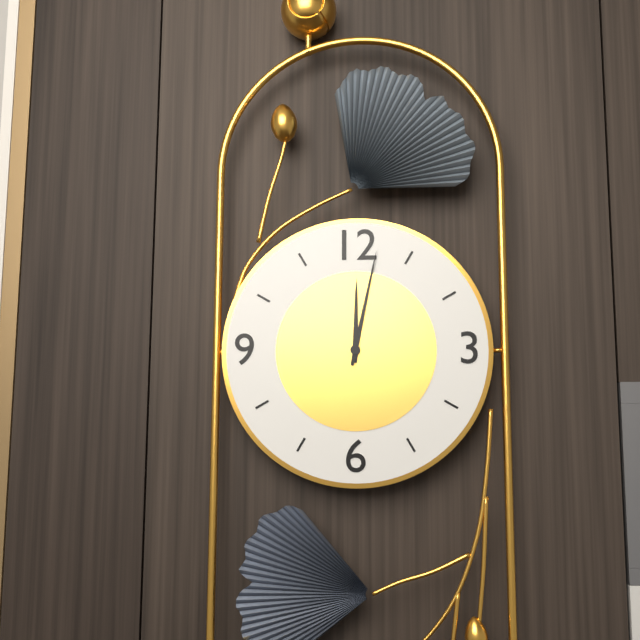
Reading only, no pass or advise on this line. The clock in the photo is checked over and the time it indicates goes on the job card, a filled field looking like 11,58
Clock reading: 12,02
